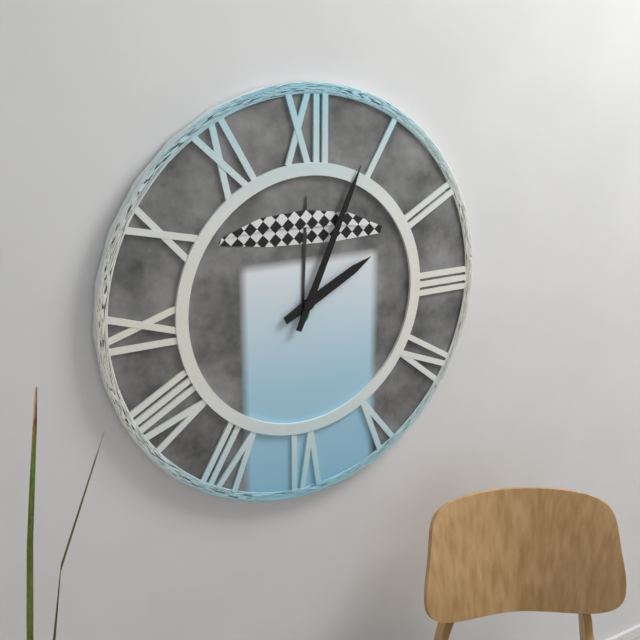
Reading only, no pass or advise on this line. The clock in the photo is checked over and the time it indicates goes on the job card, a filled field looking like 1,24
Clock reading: 2,04
